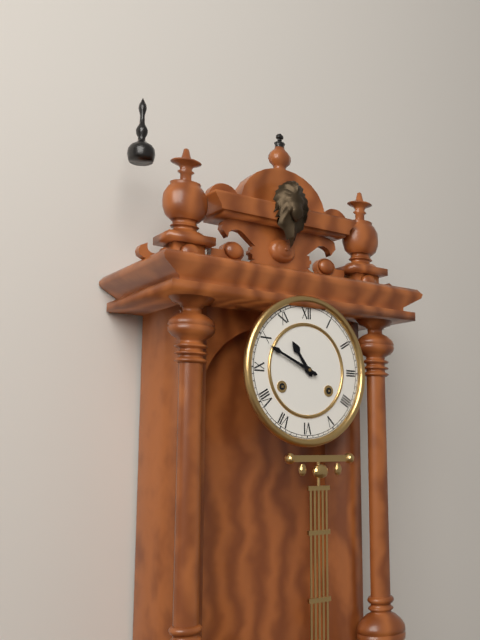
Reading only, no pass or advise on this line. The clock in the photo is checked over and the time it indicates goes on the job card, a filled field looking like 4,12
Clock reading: 10,49
